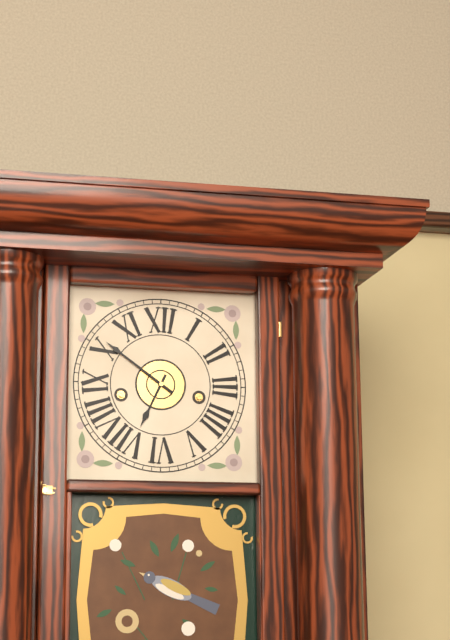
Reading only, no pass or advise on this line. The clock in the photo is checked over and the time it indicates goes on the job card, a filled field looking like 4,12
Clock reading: 6,51
